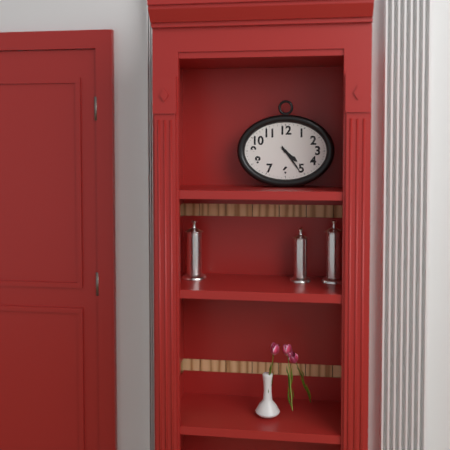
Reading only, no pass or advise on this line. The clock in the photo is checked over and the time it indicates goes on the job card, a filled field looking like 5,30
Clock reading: 4,24
